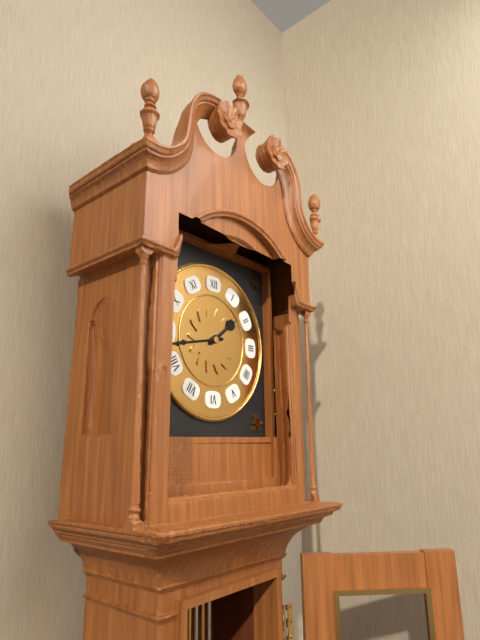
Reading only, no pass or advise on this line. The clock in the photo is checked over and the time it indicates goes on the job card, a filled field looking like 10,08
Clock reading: 1,43
